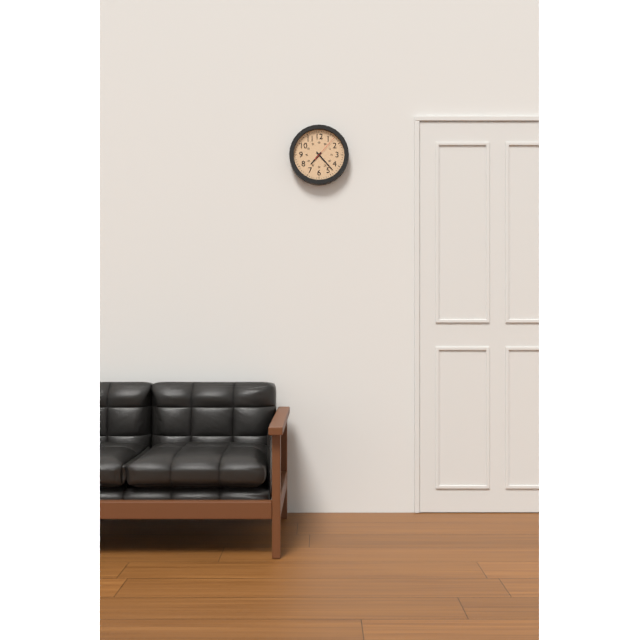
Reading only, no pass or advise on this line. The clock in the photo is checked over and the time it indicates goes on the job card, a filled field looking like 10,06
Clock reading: 7,23
